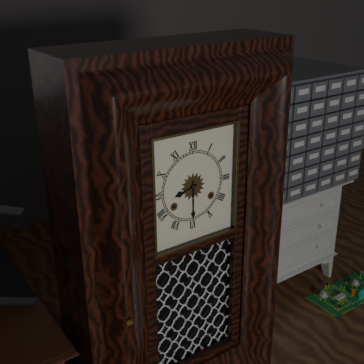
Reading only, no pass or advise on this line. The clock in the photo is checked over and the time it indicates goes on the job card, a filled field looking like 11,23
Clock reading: 8,30
